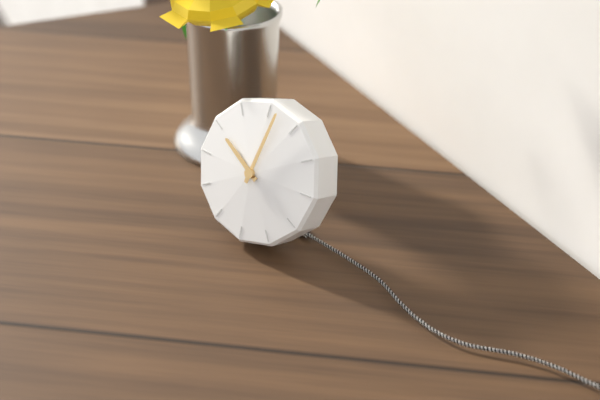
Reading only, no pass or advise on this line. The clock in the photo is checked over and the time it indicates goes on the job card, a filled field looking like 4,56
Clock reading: 10,02
